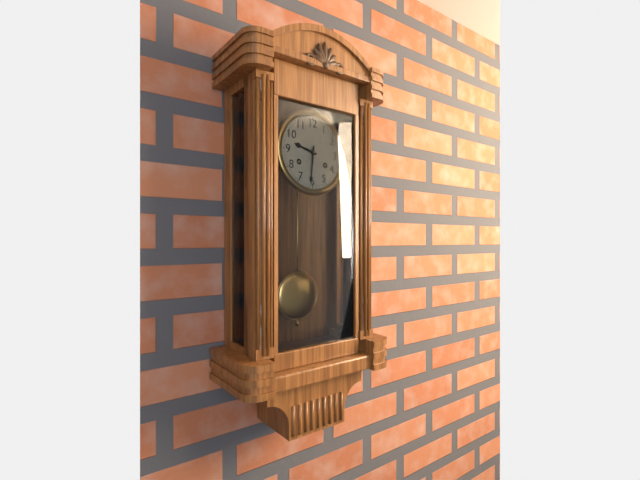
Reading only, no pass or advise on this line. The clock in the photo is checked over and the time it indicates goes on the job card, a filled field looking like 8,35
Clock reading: 9,31
